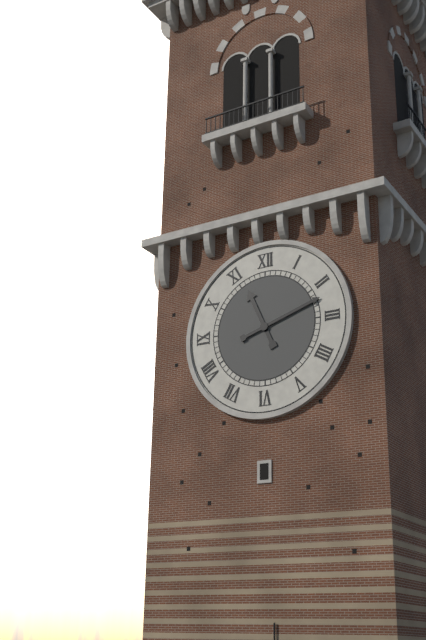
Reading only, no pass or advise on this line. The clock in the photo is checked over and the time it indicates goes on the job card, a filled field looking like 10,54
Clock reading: 11,12
